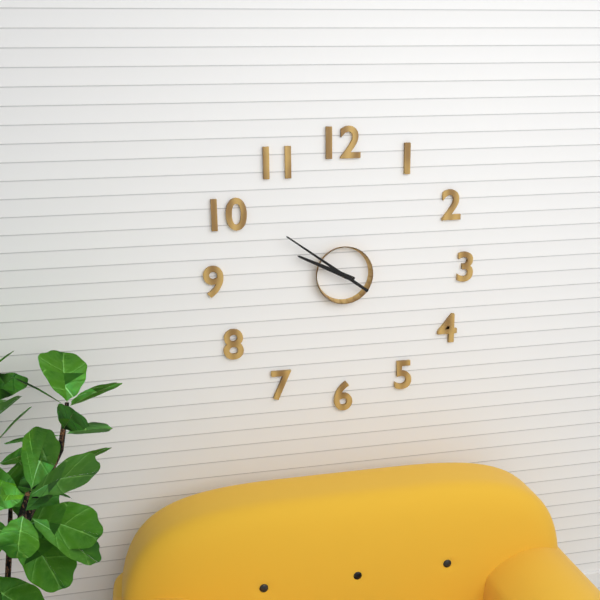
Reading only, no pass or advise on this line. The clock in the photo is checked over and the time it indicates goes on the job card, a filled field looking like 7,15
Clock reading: 9,51
